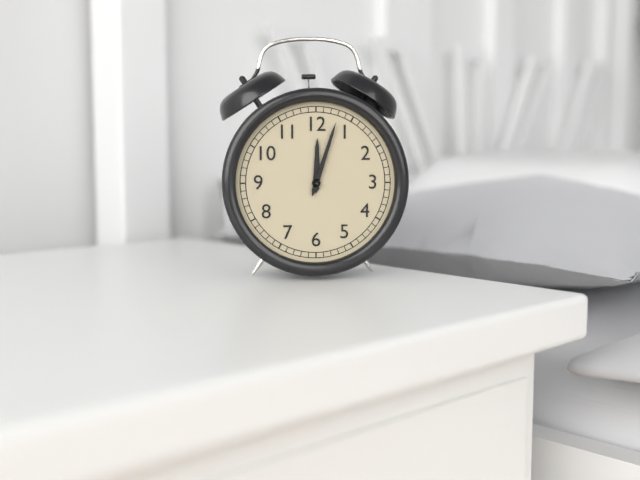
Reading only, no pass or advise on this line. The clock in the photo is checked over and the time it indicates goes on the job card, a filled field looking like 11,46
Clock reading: 12,03
